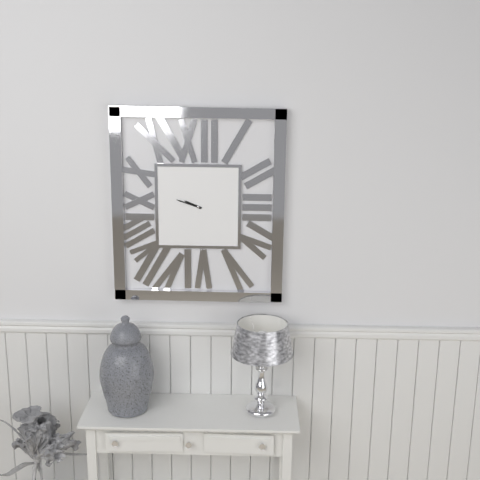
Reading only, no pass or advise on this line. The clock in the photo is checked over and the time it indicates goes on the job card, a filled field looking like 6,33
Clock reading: 9,48
